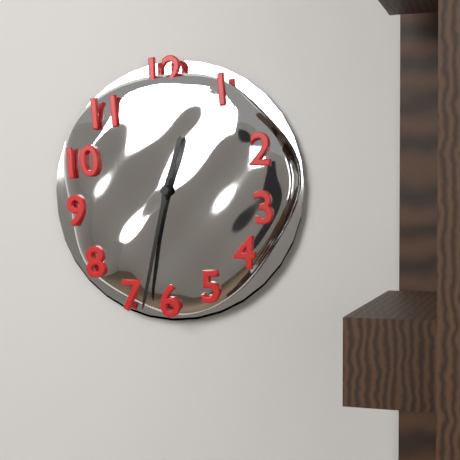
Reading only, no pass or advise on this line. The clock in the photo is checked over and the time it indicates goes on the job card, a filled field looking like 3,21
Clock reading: 12,32
